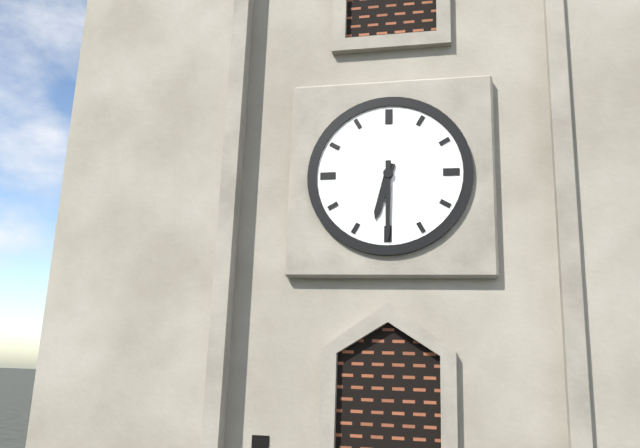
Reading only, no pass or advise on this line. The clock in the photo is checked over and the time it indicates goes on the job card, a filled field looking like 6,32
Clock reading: 6,30
